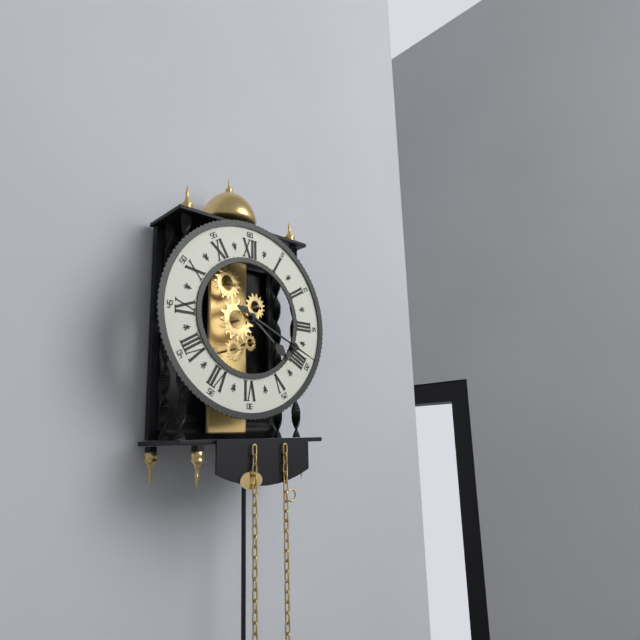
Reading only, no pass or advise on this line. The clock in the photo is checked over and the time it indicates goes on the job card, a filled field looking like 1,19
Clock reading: 4,19
